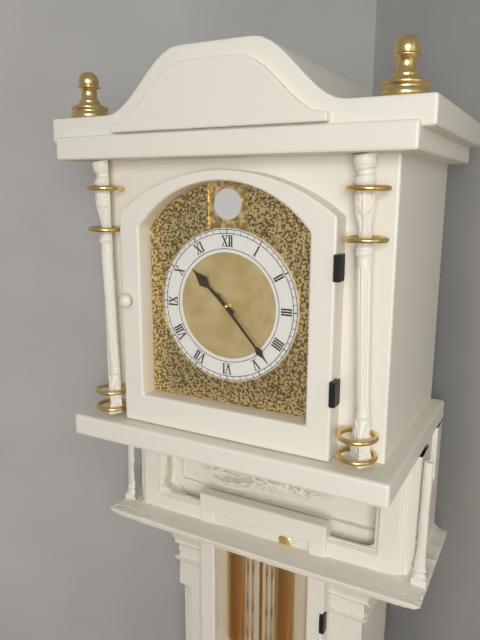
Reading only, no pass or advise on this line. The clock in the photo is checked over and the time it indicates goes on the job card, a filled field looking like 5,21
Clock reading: 10,23
